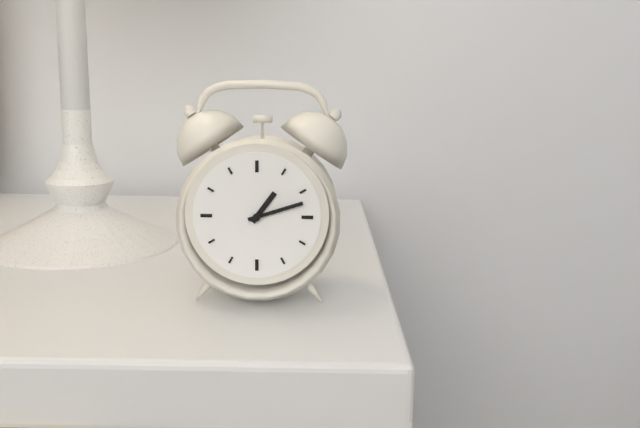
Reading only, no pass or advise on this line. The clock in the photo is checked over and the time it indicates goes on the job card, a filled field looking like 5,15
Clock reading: 1,12
